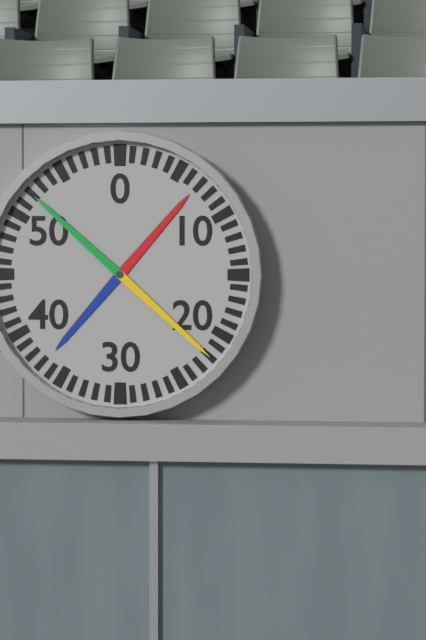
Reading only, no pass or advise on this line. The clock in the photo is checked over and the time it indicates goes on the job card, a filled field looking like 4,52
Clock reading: 1,22
